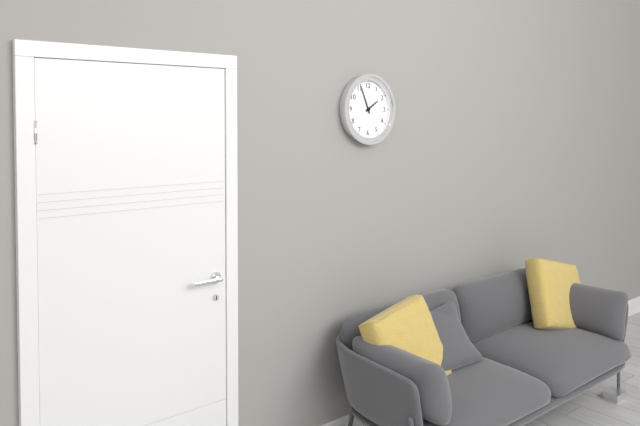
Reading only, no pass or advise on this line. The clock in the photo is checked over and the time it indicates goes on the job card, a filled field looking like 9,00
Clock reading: 1,56
